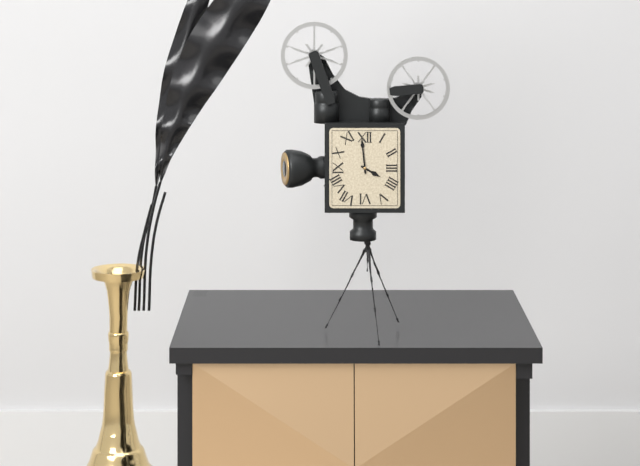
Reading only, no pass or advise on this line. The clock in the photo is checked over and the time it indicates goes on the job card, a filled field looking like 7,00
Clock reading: 3,59
